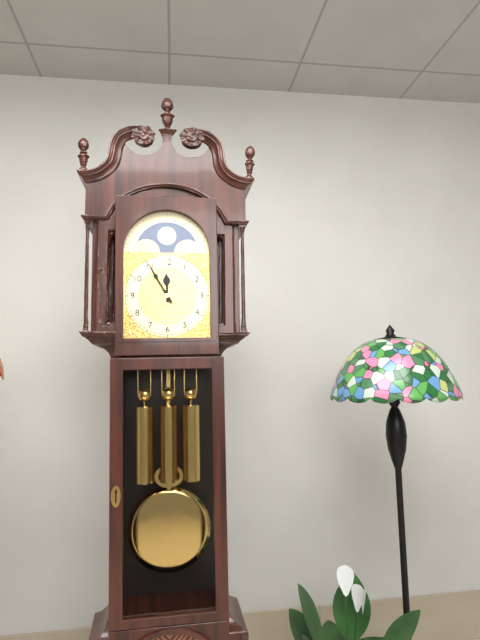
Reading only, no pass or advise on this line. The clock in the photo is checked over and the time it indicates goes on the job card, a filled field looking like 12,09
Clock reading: 11,55
